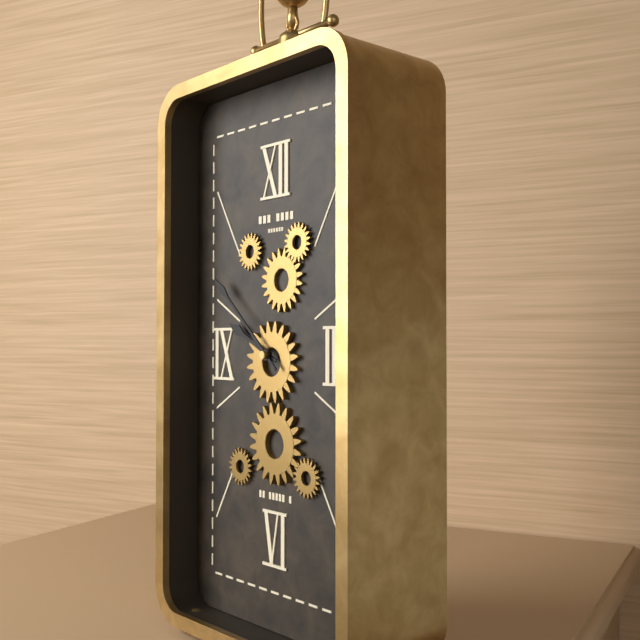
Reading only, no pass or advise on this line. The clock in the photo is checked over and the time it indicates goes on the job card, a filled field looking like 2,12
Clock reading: 9,52
